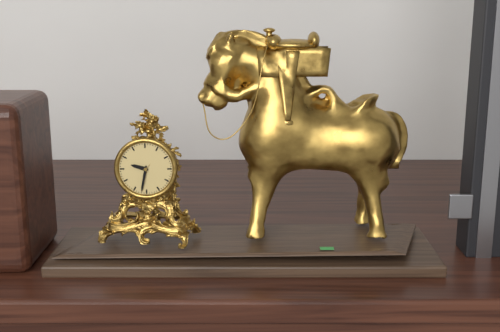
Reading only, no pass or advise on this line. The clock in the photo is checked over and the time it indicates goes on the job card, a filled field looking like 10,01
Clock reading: 9,32
